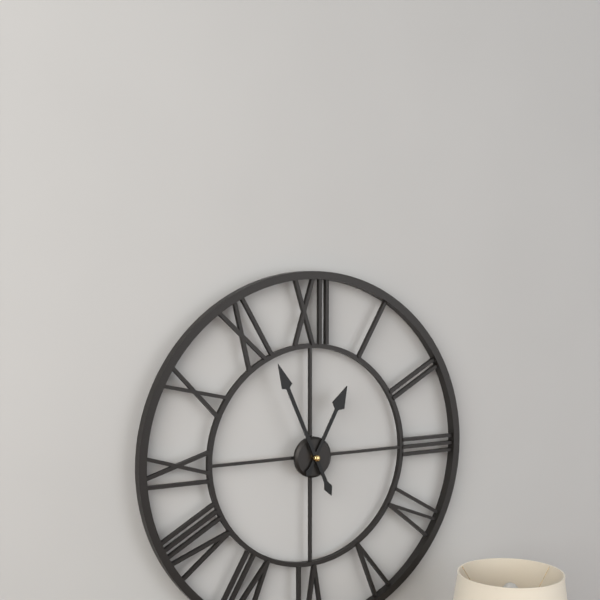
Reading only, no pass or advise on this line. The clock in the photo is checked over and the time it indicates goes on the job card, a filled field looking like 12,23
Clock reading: 12,56
